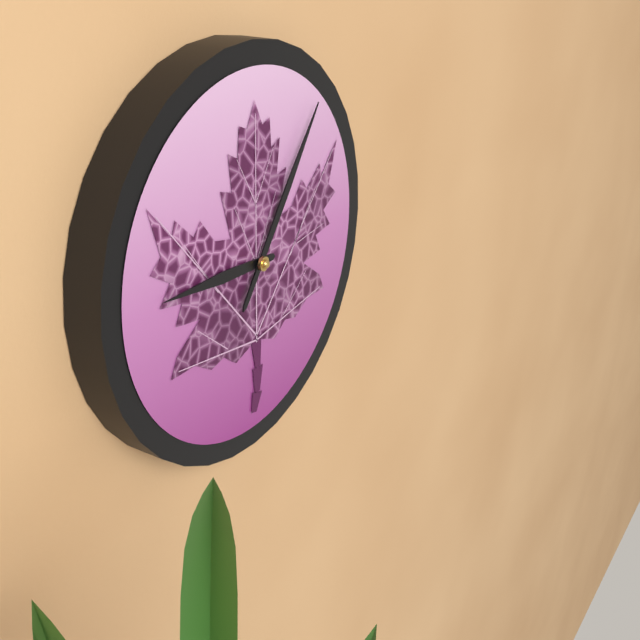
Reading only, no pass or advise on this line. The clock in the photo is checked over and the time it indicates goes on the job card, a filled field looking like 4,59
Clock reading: 9,06
